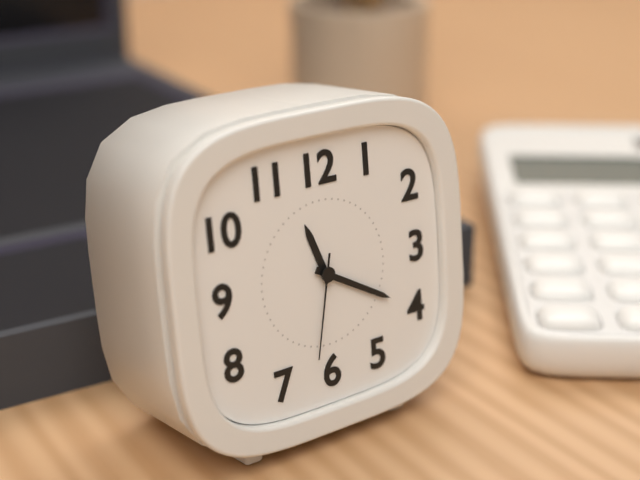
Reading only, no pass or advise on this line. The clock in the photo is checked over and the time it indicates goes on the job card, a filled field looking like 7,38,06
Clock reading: 11,20,32
